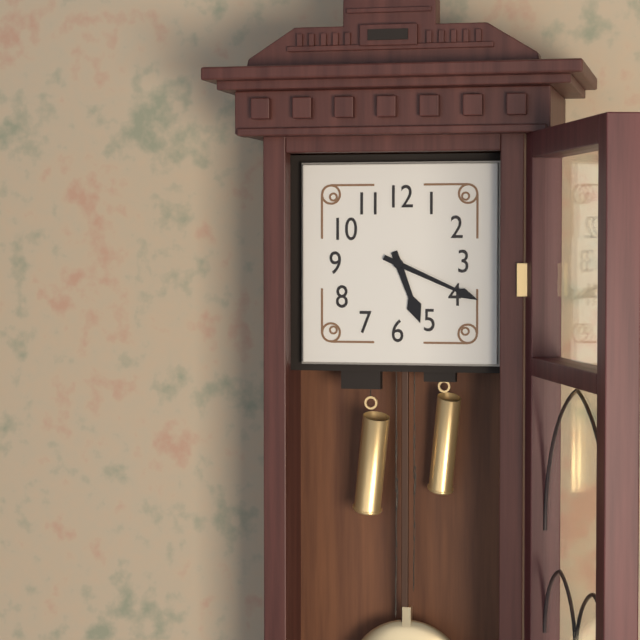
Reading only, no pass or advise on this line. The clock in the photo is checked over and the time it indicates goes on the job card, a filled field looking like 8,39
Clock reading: 5,19
